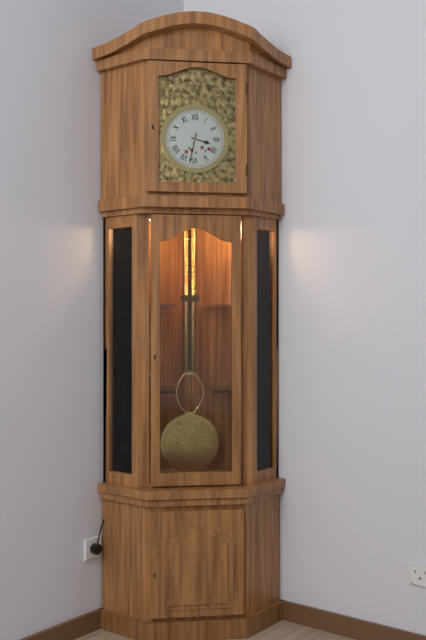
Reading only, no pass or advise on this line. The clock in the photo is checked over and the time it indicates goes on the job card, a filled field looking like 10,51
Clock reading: 3,32
